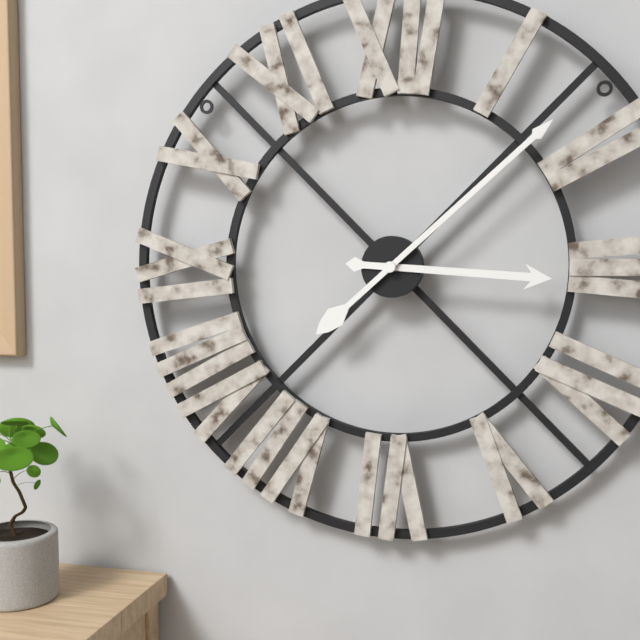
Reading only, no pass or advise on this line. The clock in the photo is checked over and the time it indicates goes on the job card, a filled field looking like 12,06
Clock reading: 3,08
